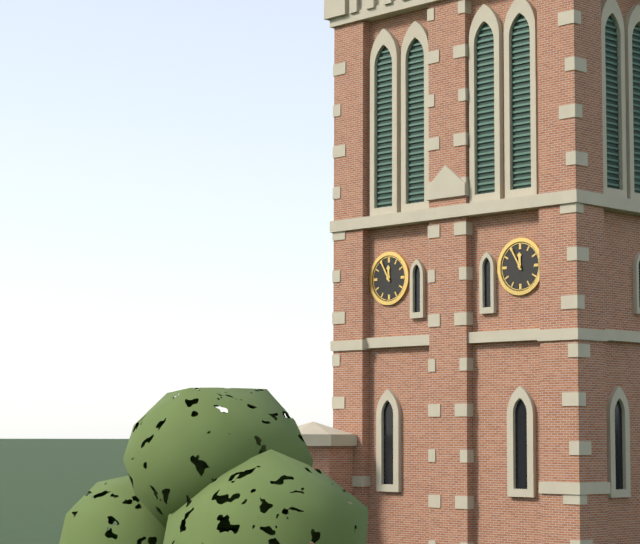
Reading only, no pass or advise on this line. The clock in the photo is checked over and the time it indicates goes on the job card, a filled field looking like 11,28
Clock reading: 11,55
